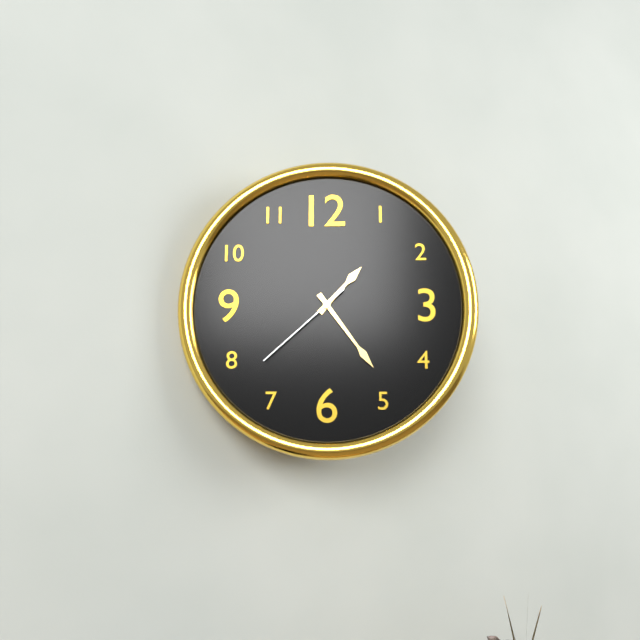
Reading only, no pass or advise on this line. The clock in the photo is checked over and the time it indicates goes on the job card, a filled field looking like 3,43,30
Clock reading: 1,24,38
